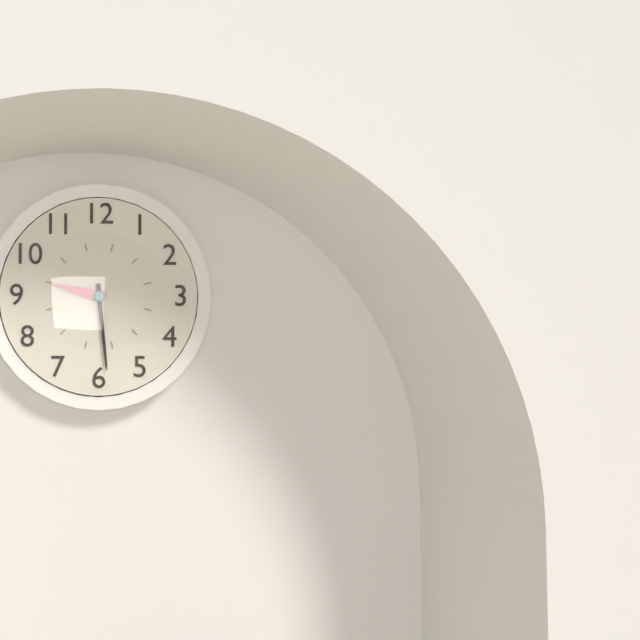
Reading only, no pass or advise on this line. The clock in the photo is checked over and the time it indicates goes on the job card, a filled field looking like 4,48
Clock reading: 9,29
